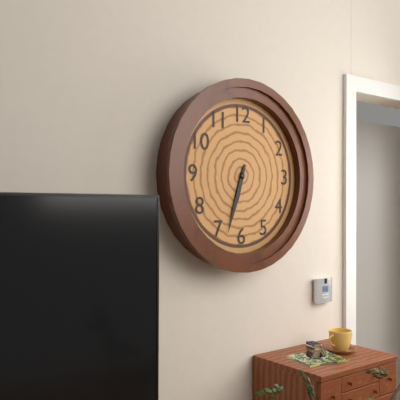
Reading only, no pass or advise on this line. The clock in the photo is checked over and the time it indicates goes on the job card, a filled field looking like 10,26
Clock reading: 6,33
